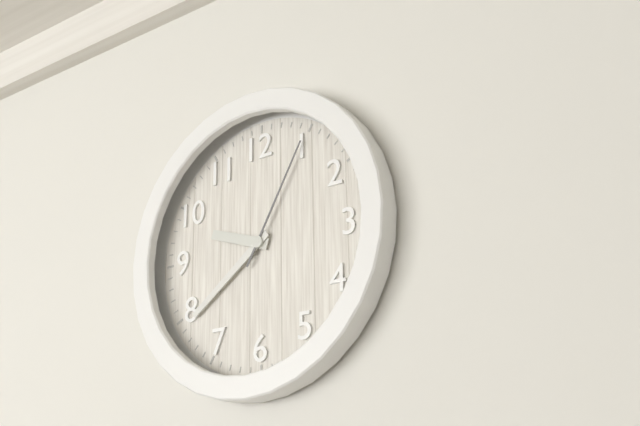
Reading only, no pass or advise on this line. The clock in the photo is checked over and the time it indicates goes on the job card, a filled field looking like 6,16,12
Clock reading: 9,39,05
